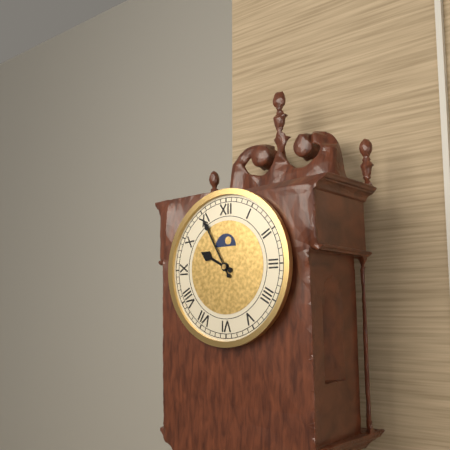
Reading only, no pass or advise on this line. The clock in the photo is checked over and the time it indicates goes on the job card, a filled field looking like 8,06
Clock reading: 9,55
